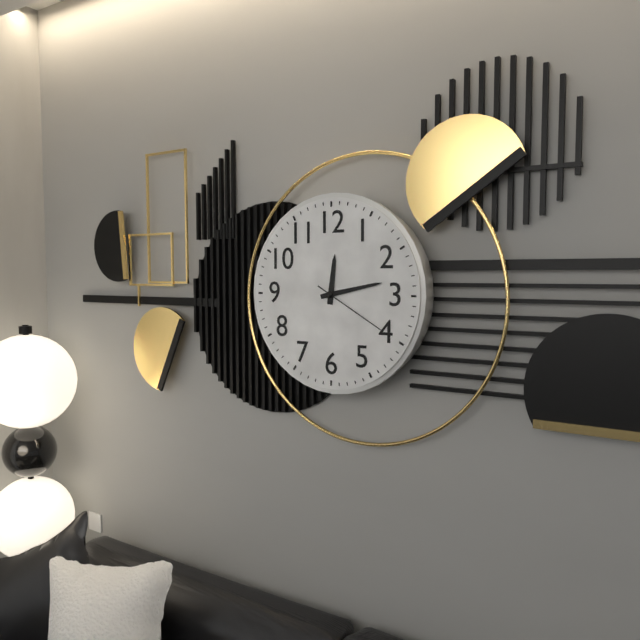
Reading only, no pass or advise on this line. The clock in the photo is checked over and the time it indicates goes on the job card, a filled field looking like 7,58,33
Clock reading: 12,13,20
